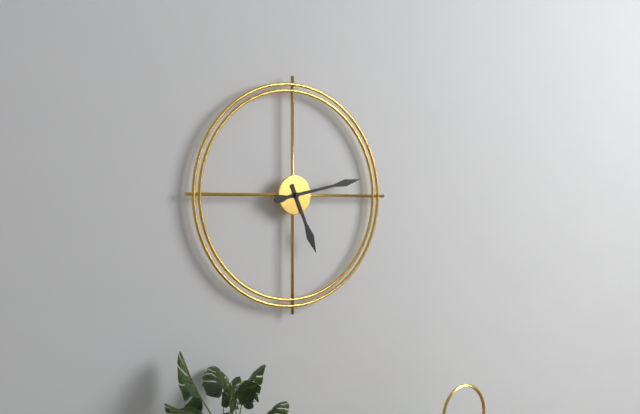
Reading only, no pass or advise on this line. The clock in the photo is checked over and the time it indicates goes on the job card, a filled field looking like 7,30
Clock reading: 5,13
